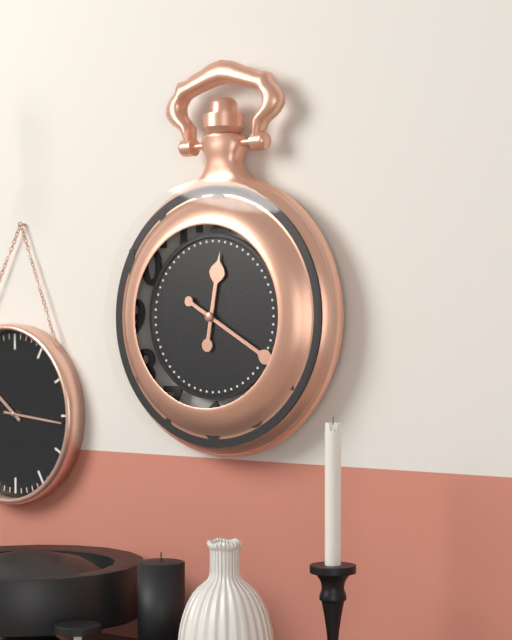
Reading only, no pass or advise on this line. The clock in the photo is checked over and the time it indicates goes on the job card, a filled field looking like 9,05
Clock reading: 12,20
